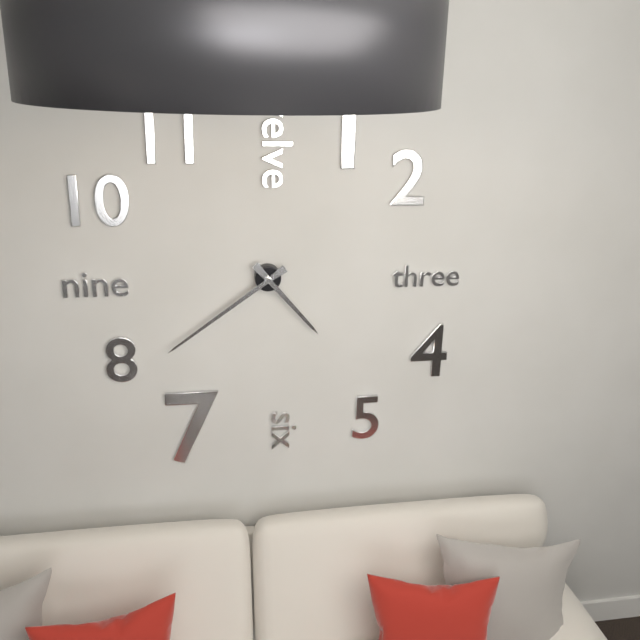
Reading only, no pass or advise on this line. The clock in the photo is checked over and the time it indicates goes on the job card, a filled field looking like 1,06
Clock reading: 4,39
